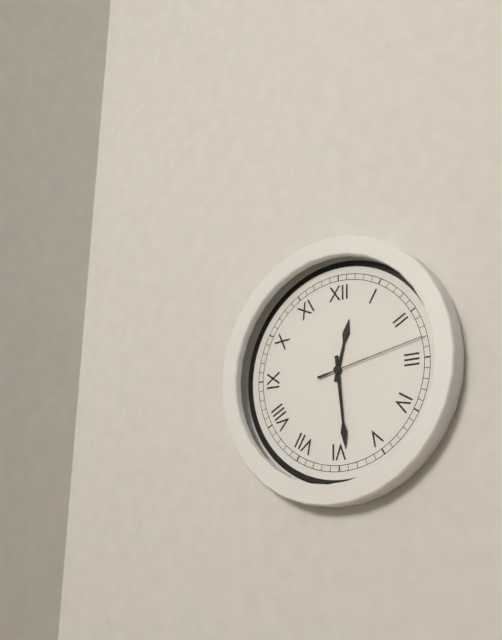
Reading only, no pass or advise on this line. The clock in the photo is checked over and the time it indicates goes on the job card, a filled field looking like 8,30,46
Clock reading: 12,29,13
